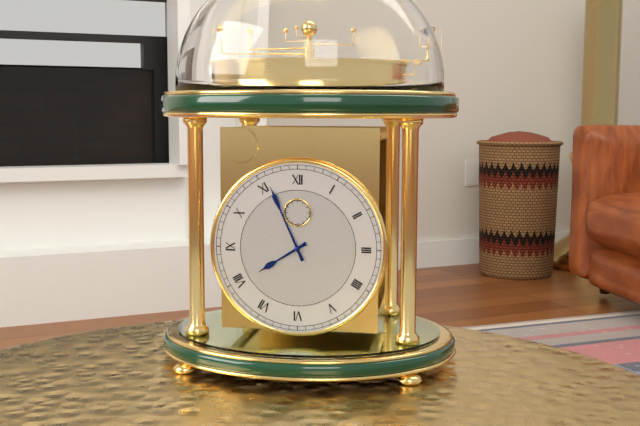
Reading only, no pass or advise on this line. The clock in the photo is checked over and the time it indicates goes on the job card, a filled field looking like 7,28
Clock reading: 7,56
